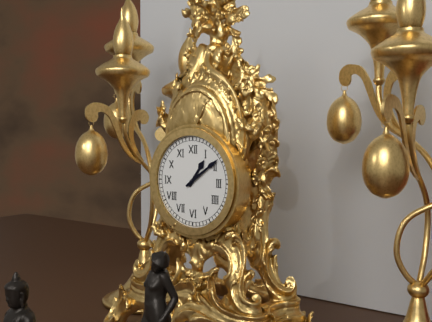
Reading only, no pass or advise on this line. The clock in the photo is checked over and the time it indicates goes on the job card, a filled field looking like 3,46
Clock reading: 1,09
